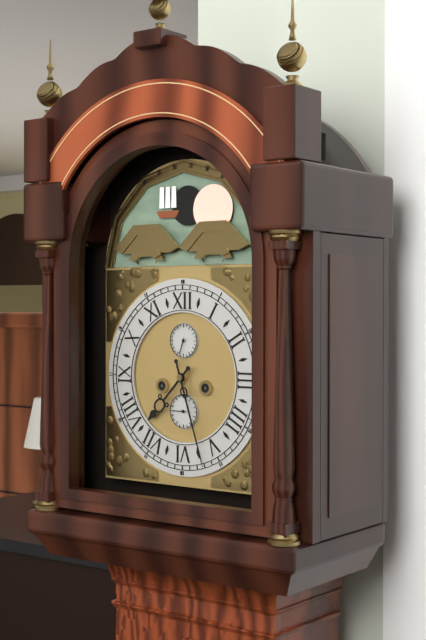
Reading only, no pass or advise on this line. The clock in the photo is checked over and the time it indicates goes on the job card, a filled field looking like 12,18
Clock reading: 7,27
